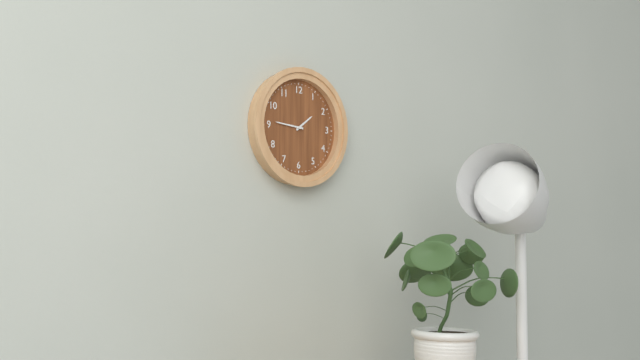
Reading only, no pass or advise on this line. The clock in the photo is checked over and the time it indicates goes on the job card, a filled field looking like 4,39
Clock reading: 1,46
